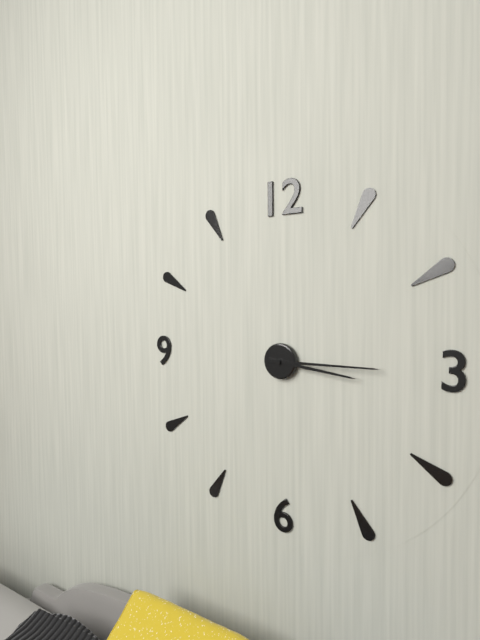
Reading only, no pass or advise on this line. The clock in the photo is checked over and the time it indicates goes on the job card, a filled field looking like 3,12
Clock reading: 3,15
